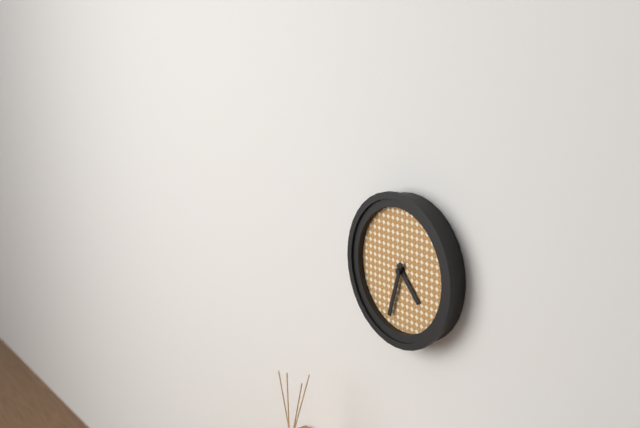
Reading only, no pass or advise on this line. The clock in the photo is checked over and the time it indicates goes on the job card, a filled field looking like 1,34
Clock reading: 4,33
